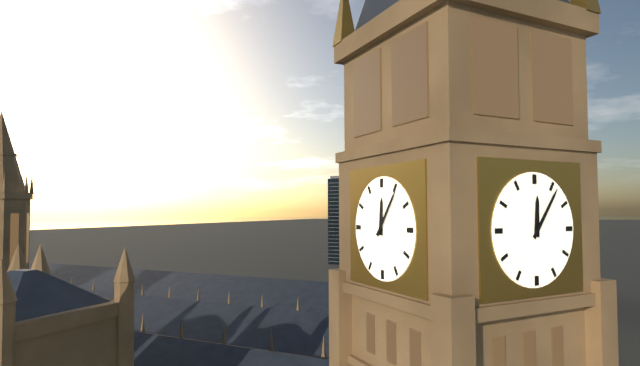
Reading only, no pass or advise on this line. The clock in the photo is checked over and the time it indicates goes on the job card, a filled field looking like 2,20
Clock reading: 12,06
